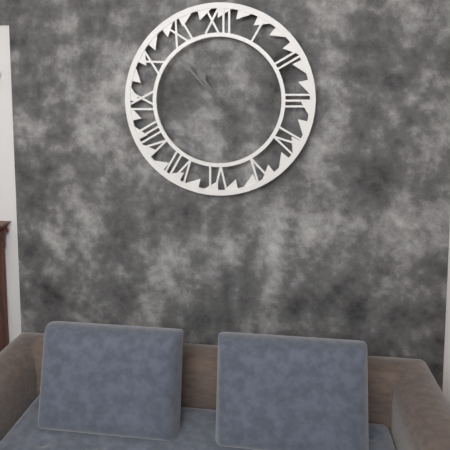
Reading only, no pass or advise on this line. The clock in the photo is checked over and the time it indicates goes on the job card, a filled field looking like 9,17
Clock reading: 10,53
